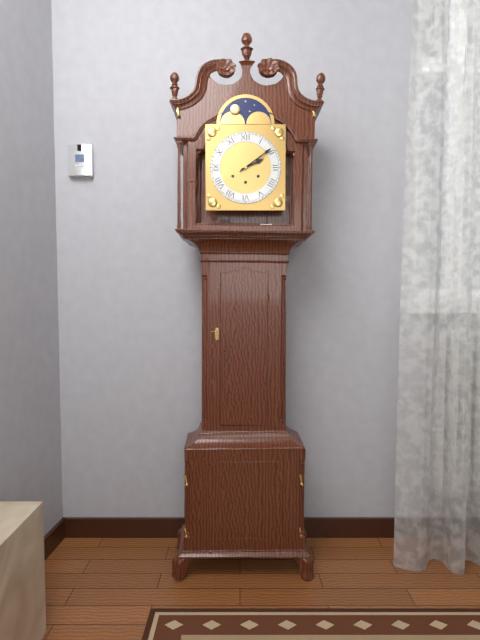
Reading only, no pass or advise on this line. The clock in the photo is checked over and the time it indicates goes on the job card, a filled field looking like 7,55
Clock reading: 2,09
